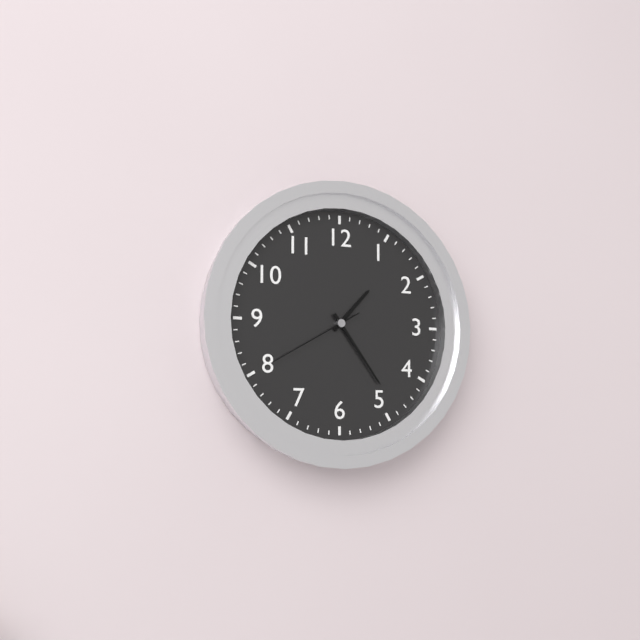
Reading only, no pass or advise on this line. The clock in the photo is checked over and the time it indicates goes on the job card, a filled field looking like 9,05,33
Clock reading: 1,24,40
